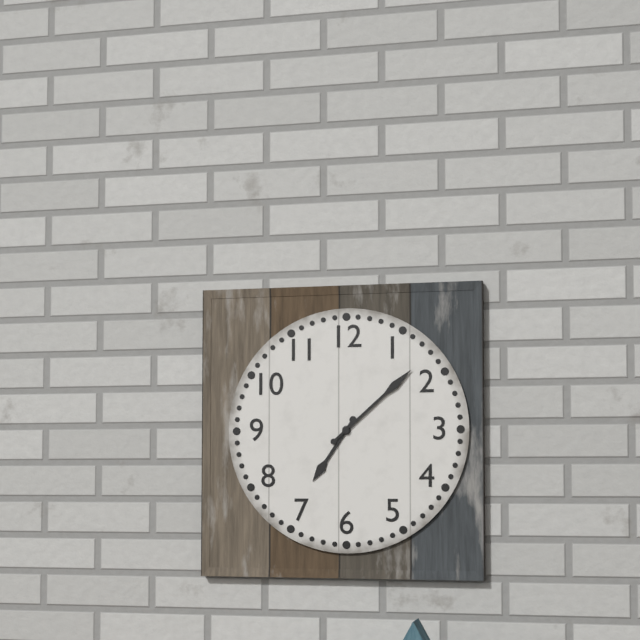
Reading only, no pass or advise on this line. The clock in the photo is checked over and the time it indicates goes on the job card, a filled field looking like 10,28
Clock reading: 7,08
